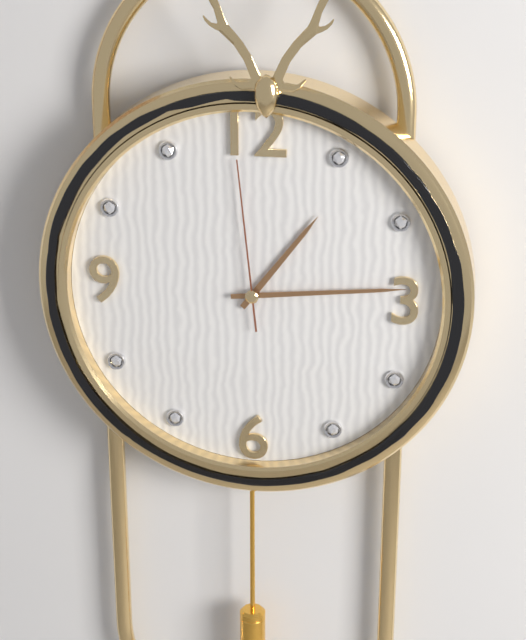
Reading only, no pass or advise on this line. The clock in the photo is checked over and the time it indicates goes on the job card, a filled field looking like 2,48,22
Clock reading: 1,14,59
